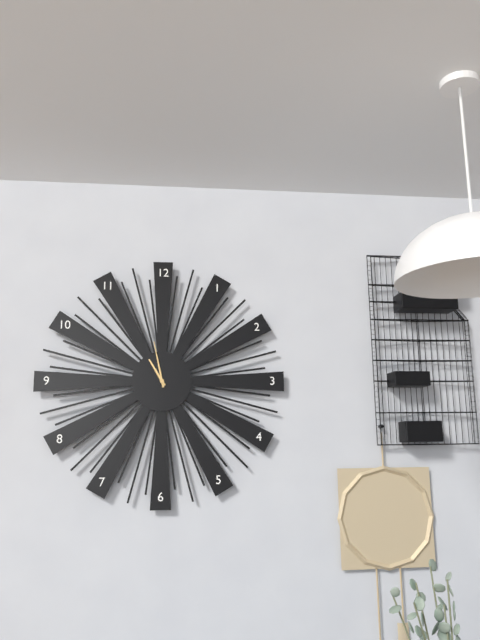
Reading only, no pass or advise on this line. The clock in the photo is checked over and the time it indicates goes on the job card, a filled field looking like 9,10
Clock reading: 10,58
